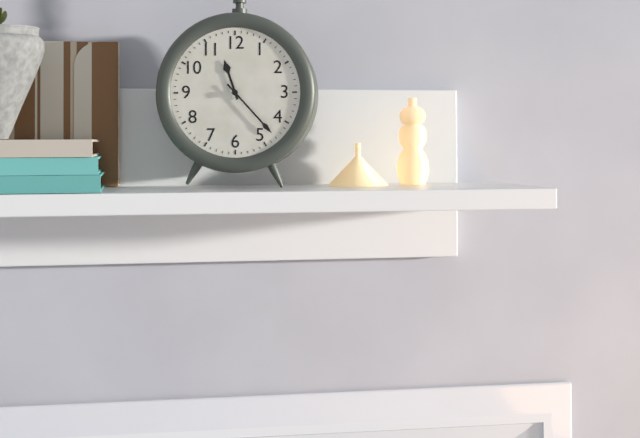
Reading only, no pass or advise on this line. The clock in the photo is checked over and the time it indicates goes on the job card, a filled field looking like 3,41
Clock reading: 11,23
